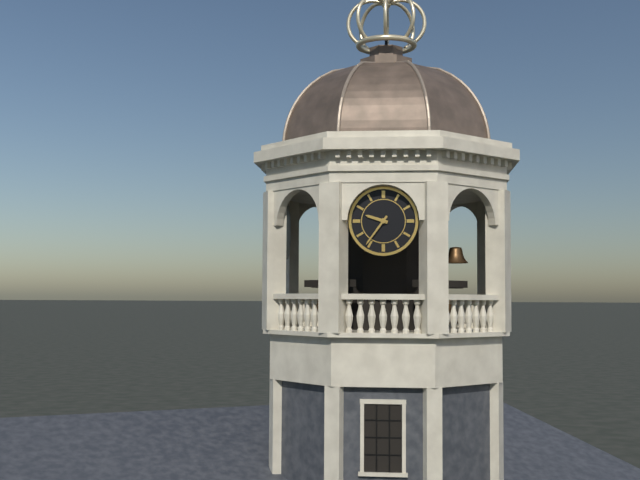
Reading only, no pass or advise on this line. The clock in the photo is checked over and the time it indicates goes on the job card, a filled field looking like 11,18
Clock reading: 9,36
